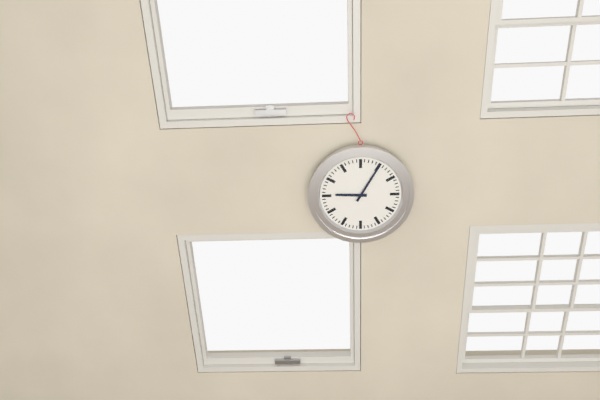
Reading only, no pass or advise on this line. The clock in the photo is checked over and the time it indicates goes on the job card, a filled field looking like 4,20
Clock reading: 9,05
